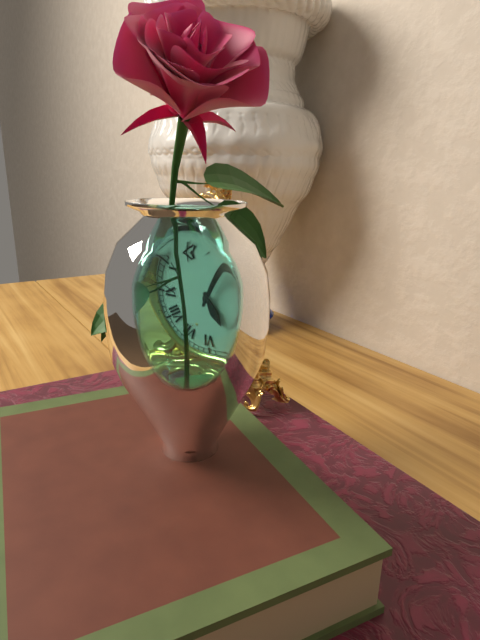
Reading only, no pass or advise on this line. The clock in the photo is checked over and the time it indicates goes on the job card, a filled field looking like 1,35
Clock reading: 5,04
